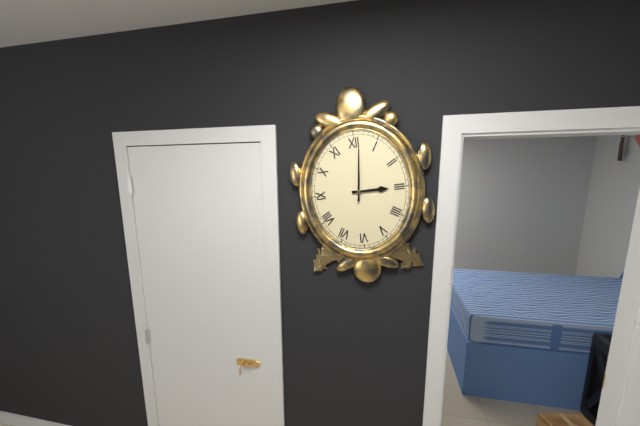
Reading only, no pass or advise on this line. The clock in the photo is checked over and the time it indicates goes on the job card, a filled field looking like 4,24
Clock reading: 3,01
